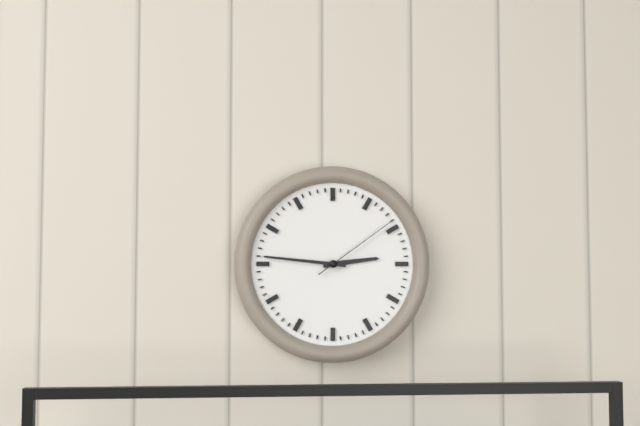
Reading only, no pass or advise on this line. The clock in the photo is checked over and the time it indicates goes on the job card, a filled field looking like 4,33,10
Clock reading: 2,46,09
